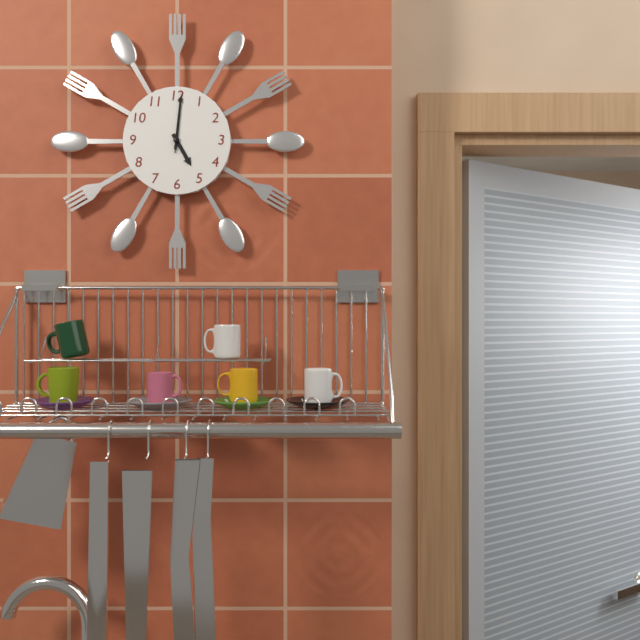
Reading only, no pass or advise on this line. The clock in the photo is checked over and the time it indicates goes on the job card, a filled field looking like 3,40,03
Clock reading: 5,01,01
